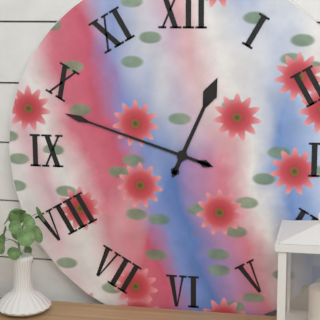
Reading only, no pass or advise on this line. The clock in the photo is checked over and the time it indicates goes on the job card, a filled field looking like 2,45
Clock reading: 12,48
